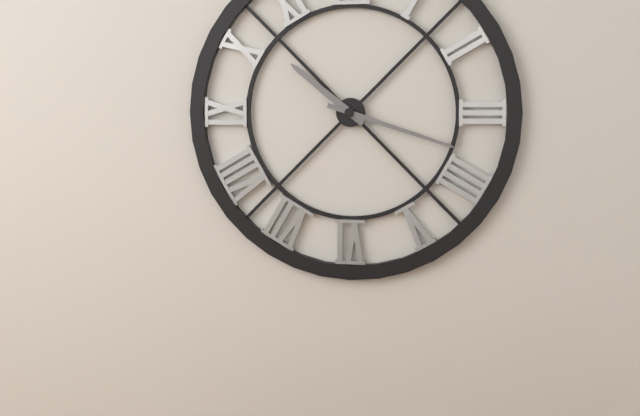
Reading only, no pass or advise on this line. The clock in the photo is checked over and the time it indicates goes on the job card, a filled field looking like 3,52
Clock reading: 10,18
